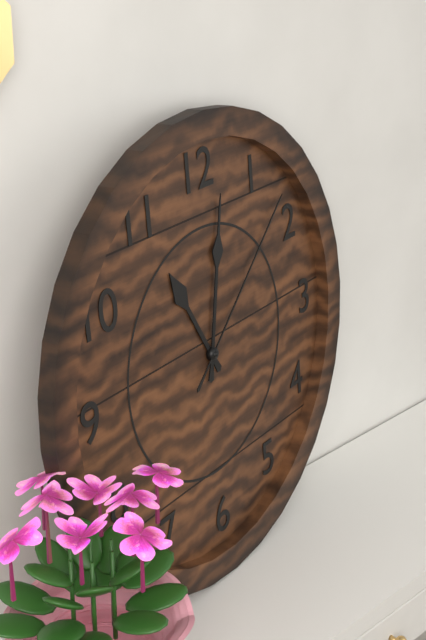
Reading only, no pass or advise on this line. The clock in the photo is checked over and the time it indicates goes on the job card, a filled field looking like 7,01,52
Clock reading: 11,02,08
